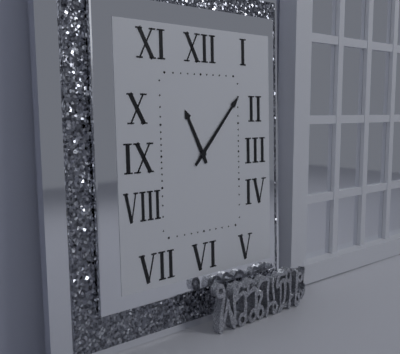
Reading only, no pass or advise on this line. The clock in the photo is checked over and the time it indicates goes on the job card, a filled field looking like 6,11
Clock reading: 11,07
